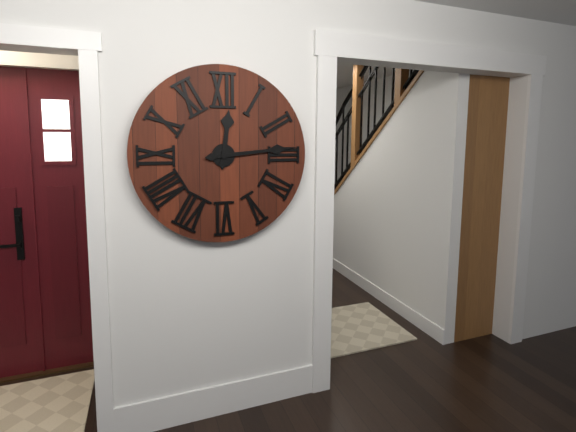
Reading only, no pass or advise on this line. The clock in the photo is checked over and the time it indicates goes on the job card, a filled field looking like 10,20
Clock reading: 12,14
